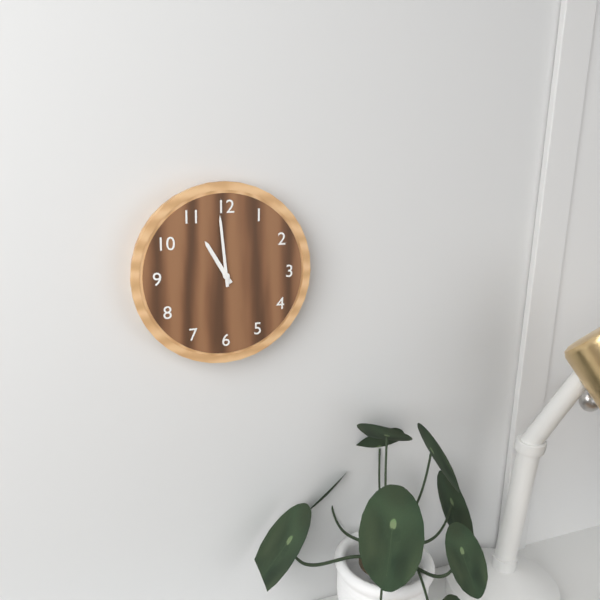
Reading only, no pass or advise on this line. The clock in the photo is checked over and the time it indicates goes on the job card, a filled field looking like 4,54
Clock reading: 10,59
